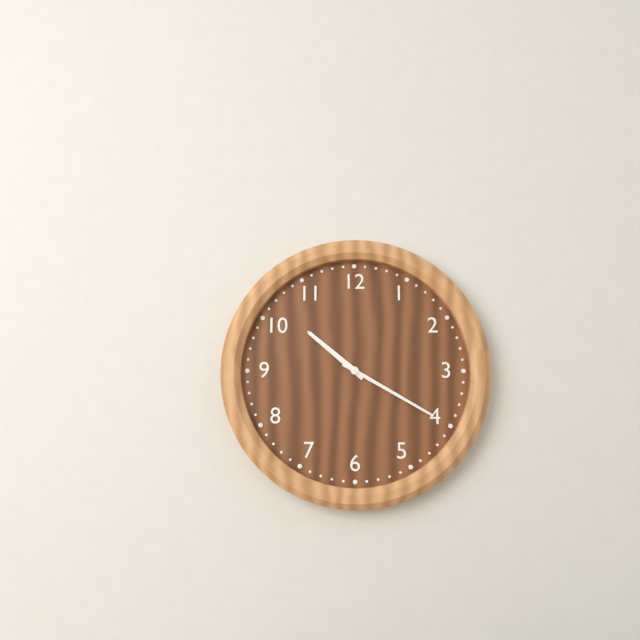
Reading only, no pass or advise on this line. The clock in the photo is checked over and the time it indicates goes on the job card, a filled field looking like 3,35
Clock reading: 10,20
